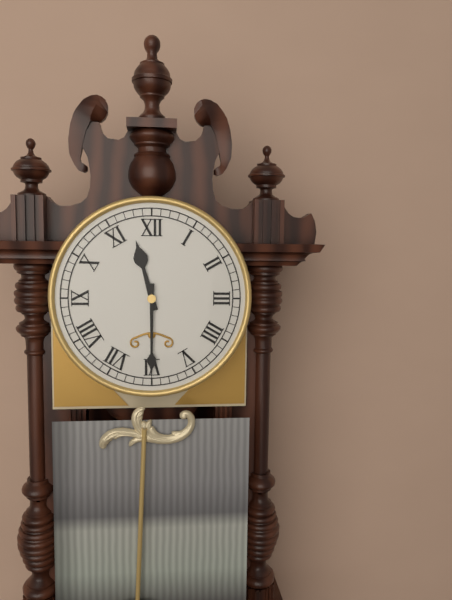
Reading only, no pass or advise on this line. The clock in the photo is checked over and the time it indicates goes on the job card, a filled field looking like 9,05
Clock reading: 11,30
